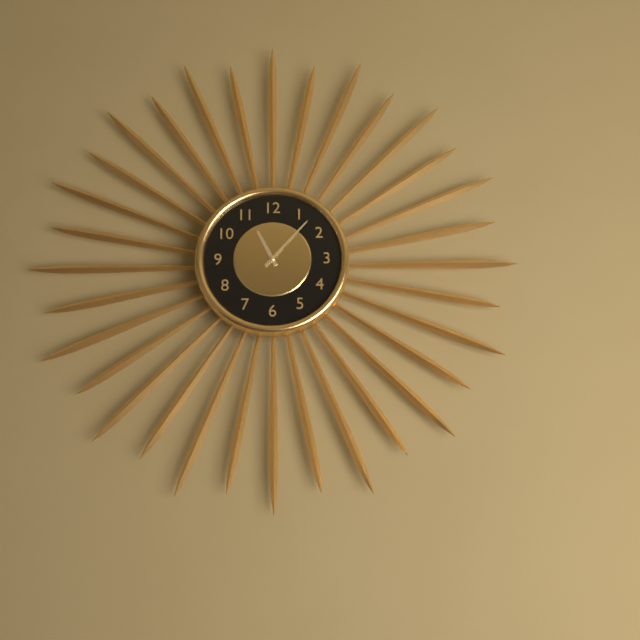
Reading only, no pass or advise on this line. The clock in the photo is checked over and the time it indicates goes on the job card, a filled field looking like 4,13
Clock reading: 11,07
